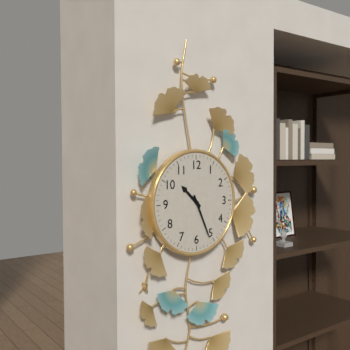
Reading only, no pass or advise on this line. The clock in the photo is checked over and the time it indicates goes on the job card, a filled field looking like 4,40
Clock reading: 10,26
